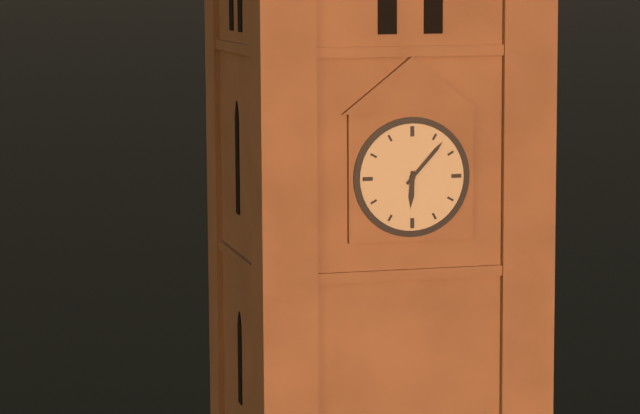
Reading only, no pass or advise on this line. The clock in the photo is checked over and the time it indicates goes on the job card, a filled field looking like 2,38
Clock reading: 6,07
